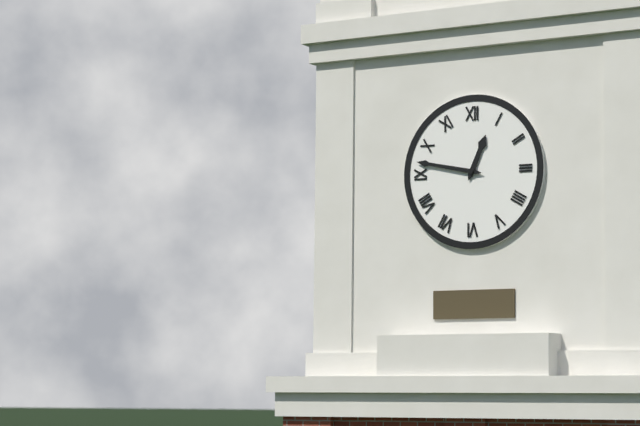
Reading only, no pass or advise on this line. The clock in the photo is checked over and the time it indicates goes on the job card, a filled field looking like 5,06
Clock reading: 12,47
